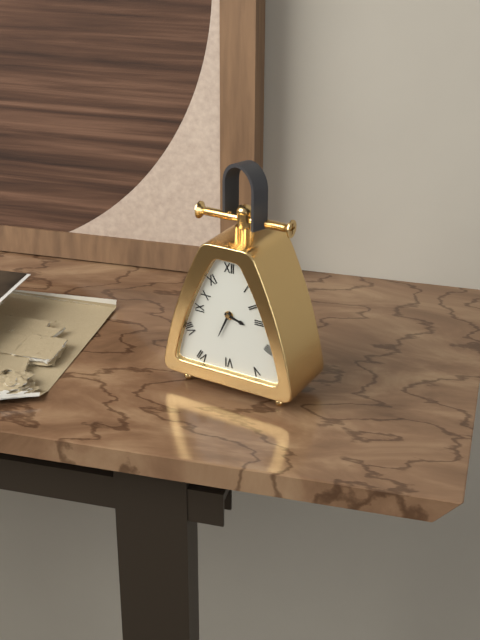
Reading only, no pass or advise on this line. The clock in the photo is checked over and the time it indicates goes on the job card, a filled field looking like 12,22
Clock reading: 3,34
